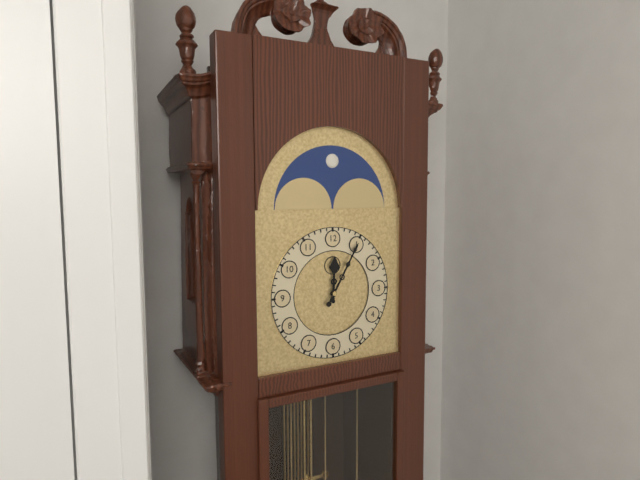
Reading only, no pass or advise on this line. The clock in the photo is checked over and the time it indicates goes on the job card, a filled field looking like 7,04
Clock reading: 12,05
